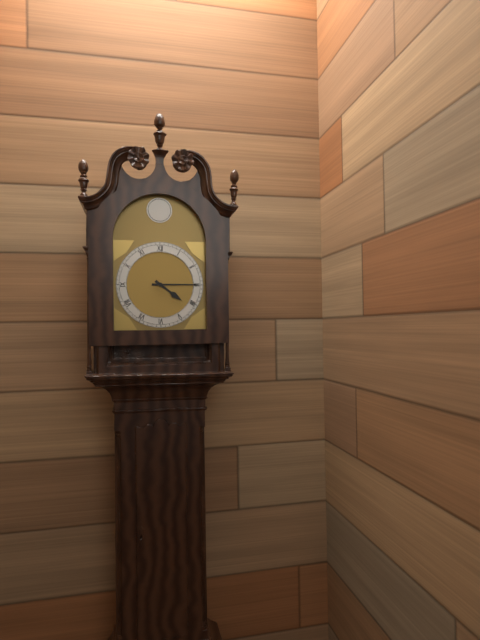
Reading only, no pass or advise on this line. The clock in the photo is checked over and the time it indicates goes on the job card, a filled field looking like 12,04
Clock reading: 4,15
